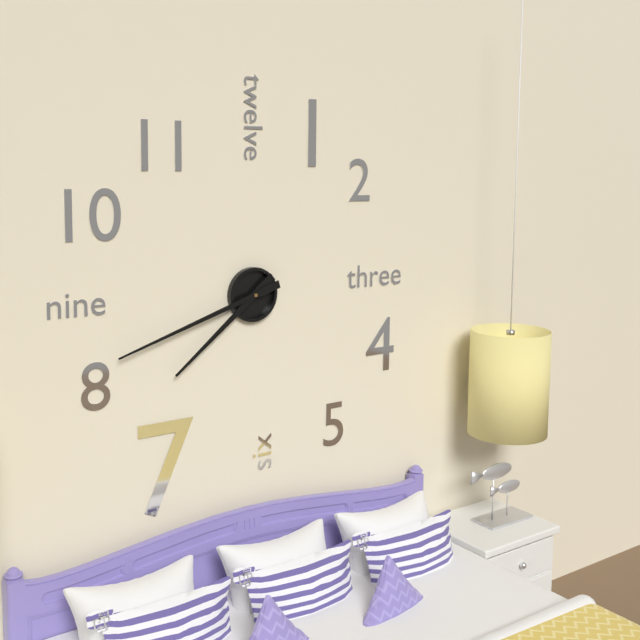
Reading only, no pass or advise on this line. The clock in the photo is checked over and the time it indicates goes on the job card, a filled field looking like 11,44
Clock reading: 7,42
